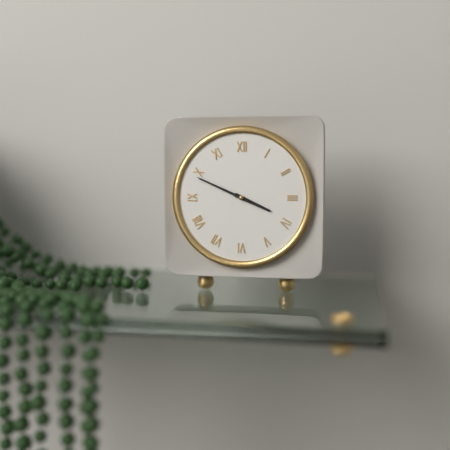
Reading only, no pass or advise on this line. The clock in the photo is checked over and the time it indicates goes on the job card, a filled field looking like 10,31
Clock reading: 3,49
